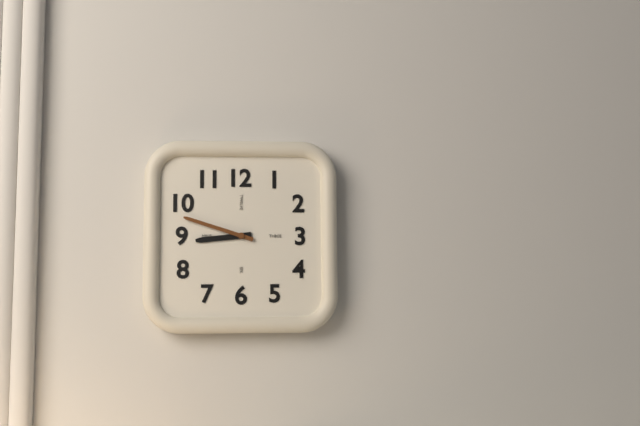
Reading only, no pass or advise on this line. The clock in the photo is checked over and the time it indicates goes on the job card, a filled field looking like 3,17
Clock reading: 8,48
